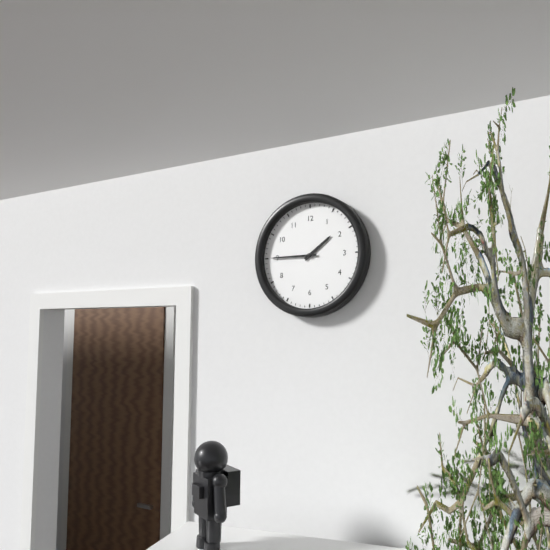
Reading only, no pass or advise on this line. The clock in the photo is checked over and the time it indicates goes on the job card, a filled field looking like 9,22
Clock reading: 1,45
